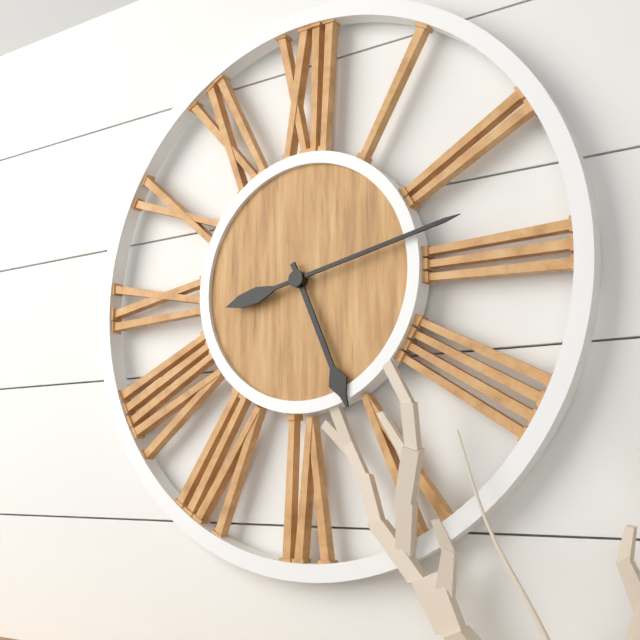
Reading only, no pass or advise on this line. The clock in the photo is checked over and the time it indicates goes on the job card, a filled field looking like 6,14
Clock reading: 5,13
